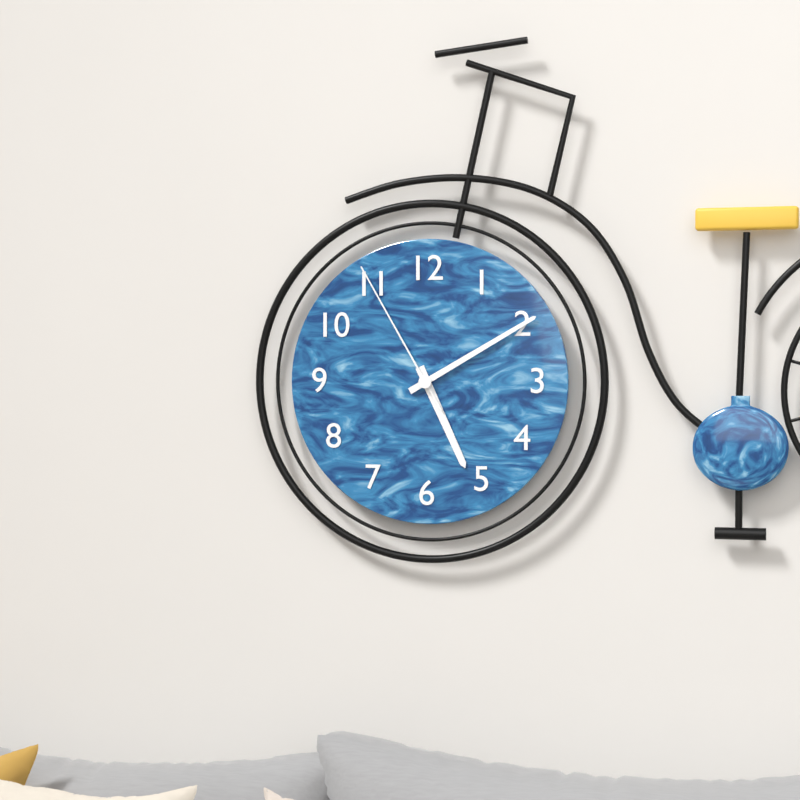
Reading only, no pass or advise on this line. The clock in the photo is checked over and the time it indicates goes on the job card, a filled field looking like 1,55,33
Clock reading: 5,10,55
